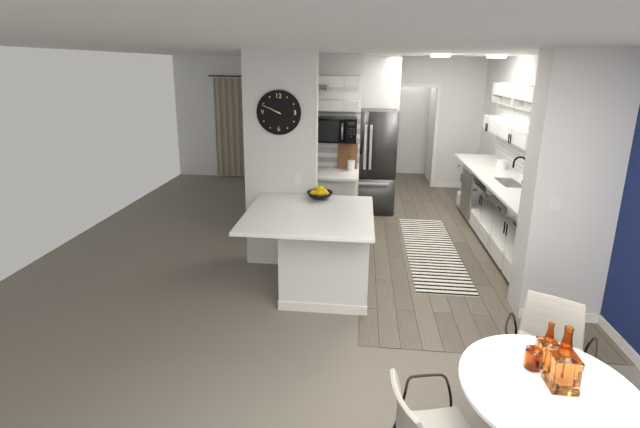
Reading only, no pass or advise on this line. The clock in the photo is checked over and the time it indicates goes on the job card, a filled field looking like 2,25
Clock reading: 9,49
